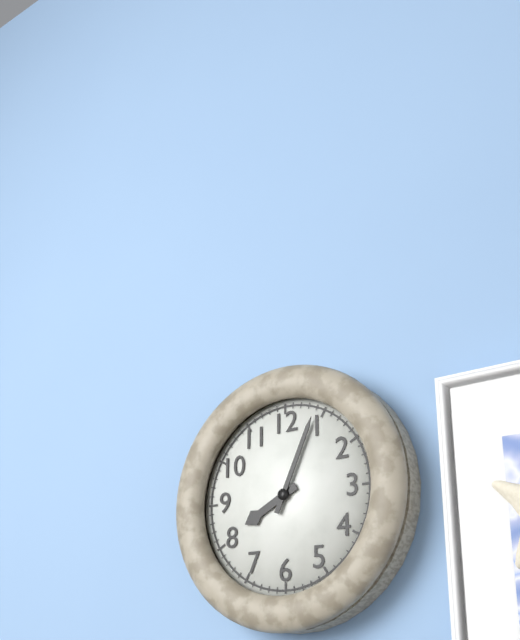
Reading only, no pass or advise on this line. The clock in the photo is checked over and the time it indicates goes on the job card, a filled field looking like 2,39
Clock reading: 8,04
